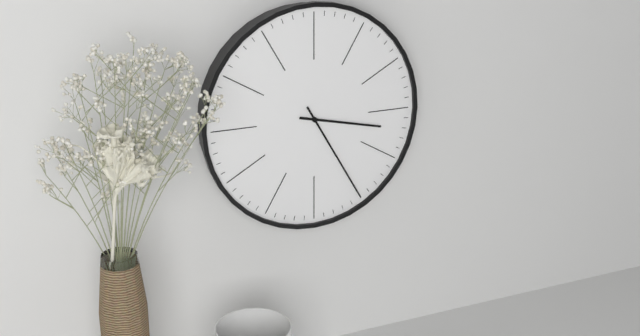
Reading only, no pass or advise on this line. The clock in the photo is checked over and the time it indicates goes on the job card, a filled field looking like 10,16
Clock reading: 3,25
